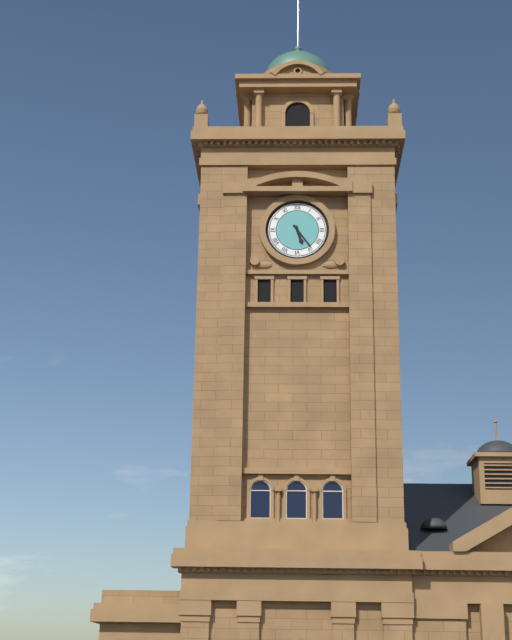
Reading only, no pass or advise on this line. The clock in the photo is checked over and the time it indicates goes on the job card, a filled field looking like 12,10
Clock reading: 5,24
